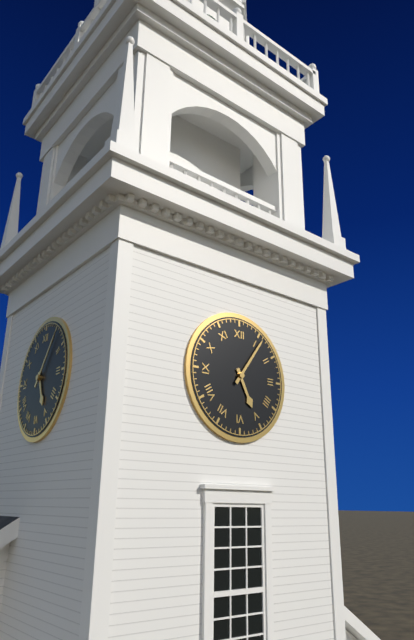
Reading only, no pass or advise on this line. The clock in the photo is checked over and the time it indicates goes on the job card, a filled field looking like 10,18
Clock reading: 5,06
